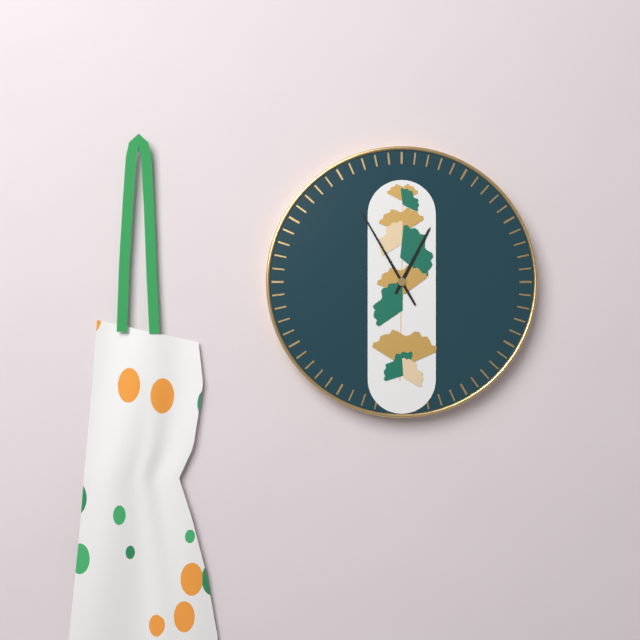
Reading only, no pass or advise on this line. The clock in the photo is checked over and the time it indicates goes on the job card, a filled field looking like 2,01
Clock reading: 12,55
